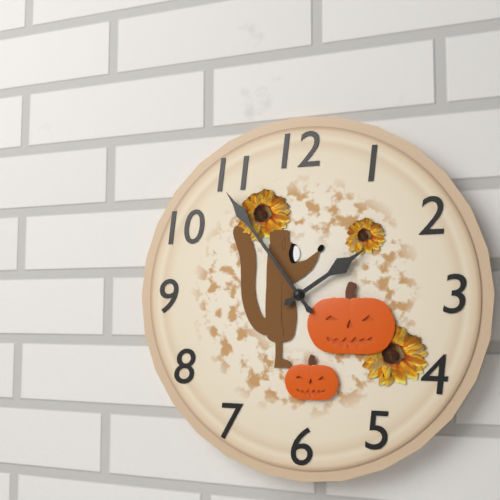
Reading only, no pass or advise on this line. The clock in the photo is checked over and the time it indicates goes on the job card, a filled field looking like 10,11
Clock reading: 1,54
